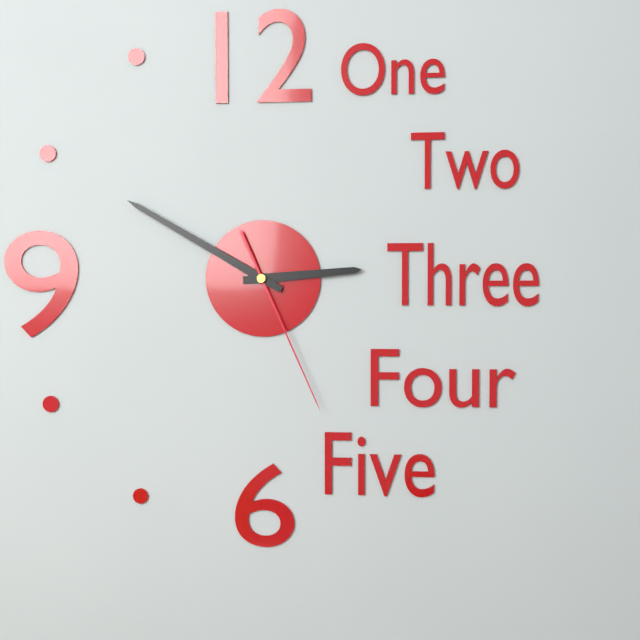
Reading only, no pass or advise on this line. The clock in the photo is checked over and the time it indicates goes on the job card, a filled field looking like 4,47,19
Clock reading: 2,50,26
